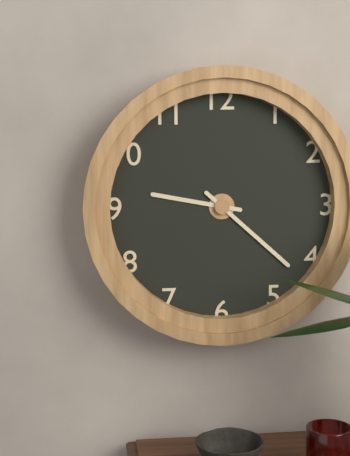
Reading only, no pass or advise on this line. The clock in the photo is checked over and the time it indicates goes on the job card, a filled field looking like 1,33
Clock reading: 9,22
